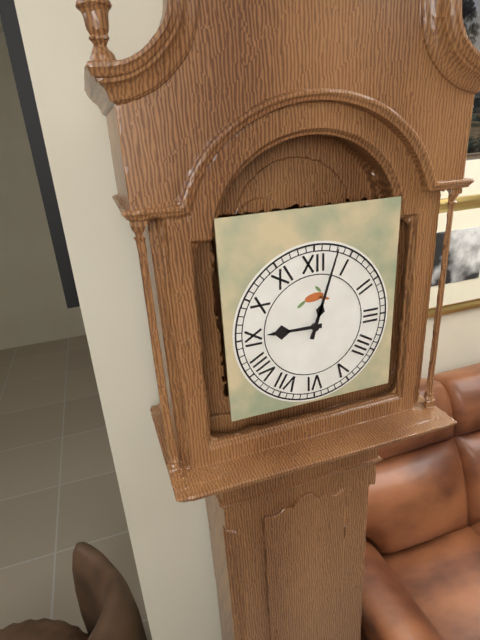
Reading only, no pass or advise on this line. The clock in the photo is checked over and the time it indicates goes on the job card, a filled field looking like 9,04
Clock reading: 9,03
